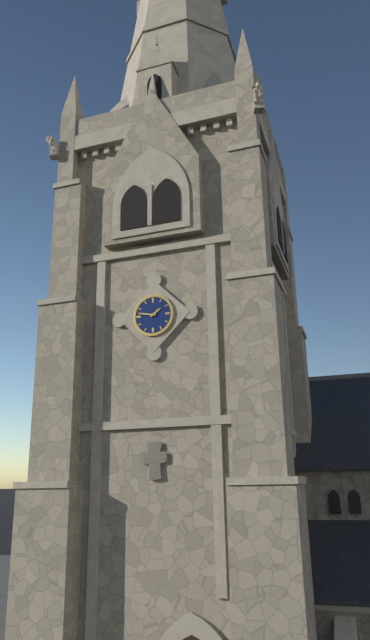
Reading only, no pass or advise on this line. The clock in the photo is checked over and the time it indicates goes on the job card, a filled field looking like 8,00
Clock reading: 1,47
